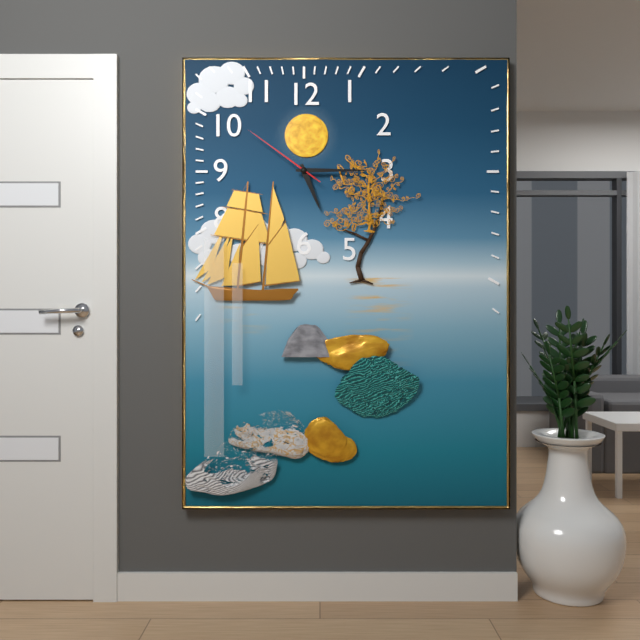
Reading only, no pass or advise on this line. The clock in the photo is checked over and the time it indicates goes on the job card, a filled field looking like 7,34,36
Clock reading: 5,15,51
